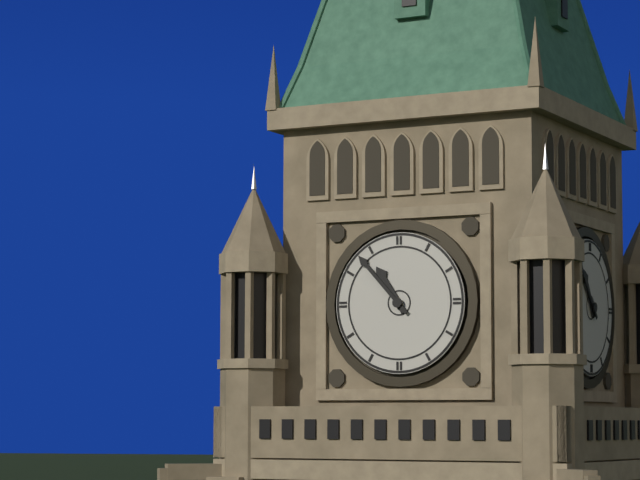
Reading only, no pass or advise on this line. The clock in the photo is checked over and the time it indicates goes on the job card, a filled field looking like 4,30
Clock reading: 10,53
